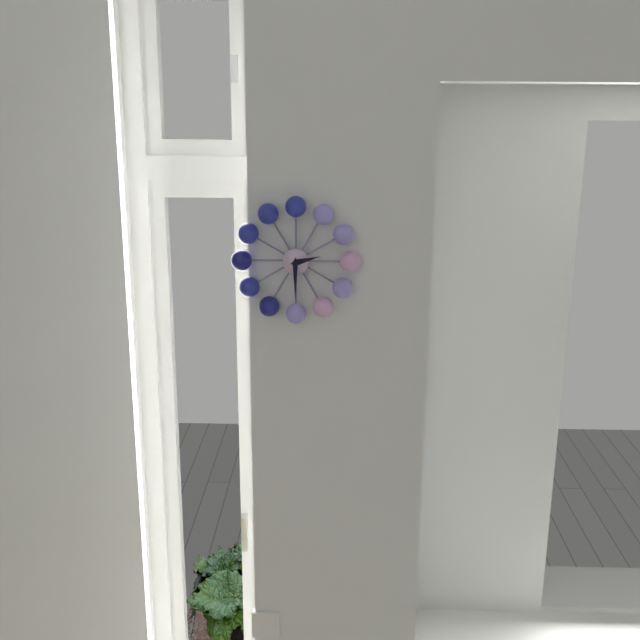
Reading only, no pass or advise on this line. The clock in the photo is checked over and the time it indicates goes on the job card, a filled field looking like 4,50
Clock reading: 2,30
